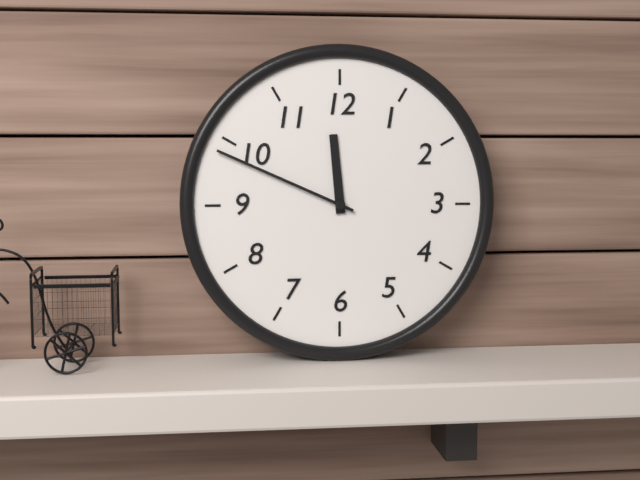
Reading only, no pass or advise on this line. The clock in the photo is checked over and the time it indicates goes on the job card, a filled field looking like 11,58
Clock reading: 11,49
